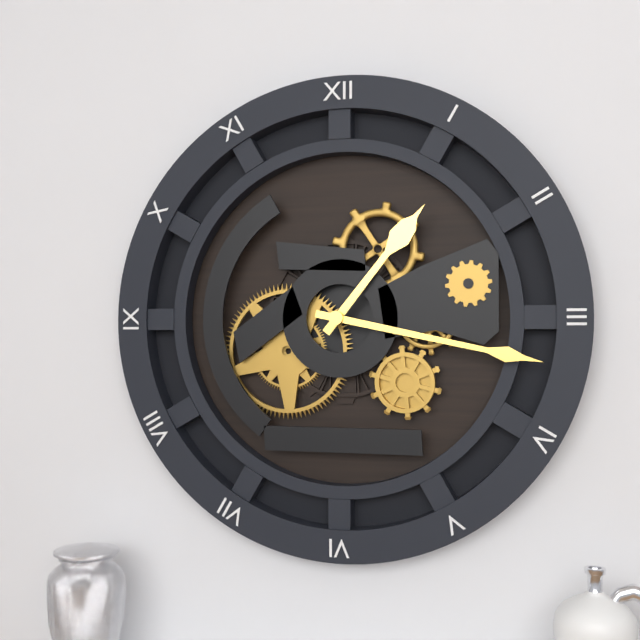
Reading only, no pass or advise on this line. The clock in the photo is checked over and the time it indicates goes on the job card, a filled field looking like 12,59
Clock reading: 1,17
